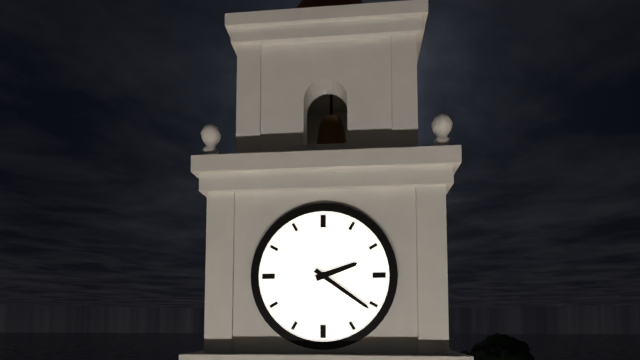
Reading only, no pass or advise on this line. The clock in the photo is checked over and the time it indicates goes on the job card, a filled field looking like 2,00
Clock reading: 2,21
